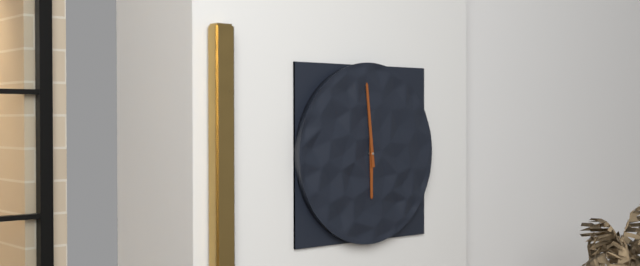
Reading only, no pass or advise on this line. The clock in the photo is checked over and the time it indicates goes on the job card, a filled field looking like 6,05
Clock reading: 5,59
